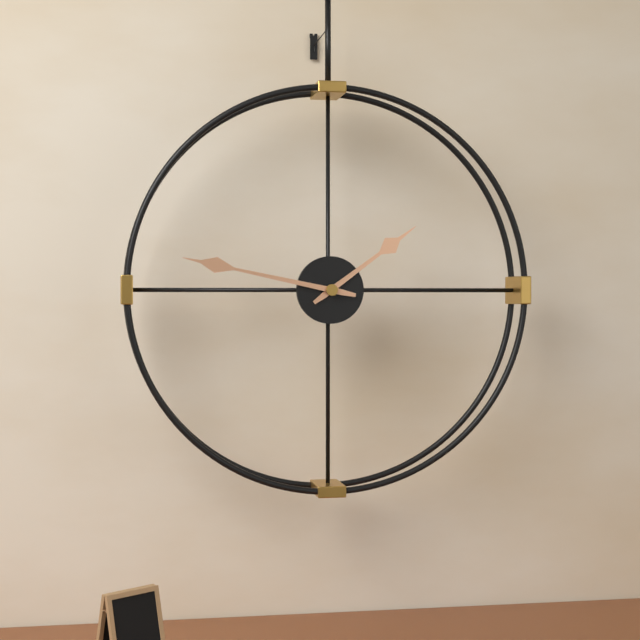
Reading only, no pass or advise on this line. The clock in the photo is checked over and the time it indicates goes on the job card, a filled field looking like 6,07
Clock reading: 1,47
